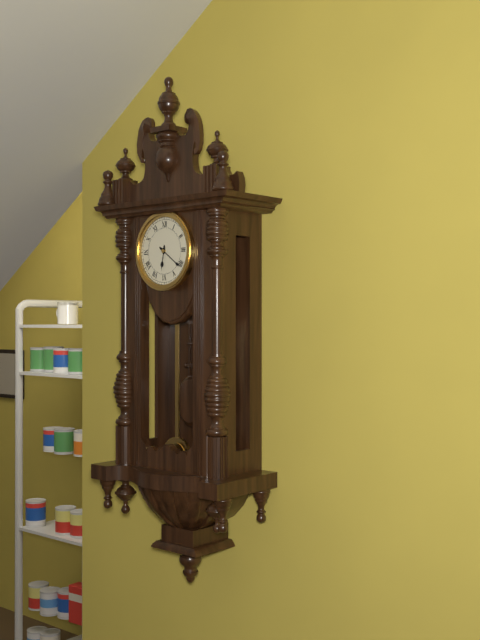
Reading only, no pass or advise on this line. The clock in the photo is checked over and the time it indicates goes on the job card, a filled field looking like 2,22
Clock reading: 6,21
